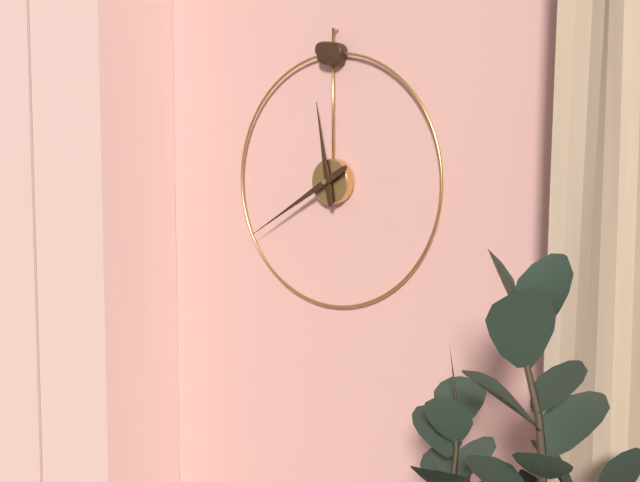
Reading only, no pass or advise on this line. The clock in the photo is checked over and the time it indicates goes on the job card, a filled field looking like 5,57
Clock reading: 11,40
